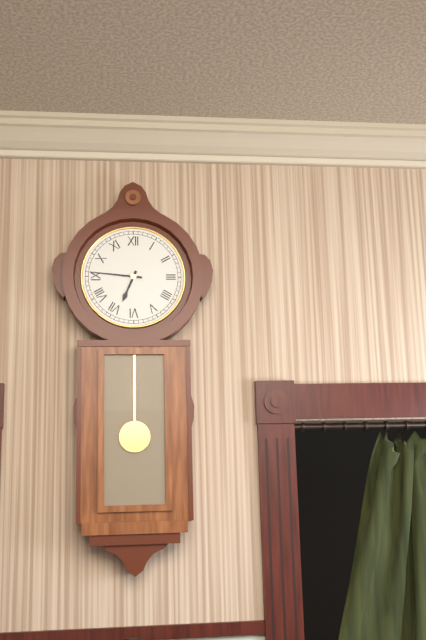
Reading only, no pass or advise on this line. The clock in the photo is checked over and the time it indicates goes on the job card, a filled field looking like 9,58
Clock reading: 6,46
